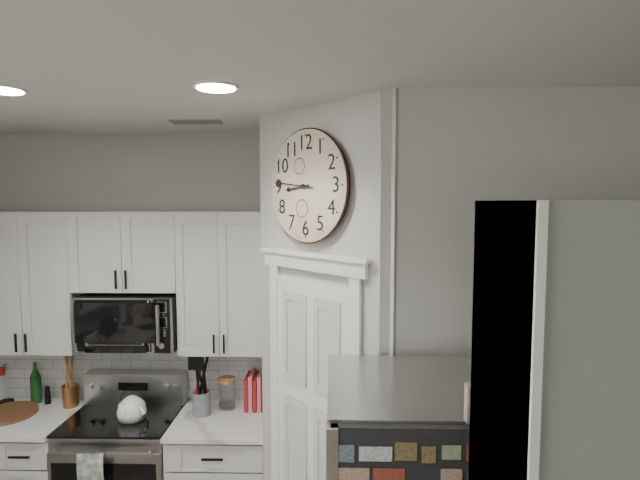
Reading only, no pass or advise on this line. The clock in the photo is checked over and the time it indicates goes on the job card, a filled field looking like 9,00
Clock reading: 8,46
